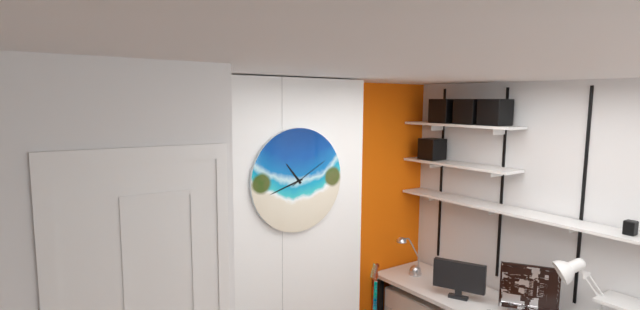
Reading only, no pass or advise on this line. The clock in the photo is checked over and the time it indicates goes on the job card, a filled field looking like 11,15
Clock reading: 10,42
